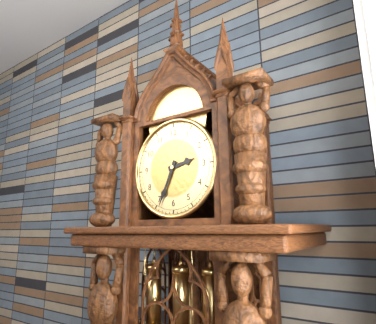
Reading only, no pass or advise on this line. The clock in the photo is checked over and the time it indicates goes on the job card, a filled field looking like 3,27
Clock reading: 2,34
